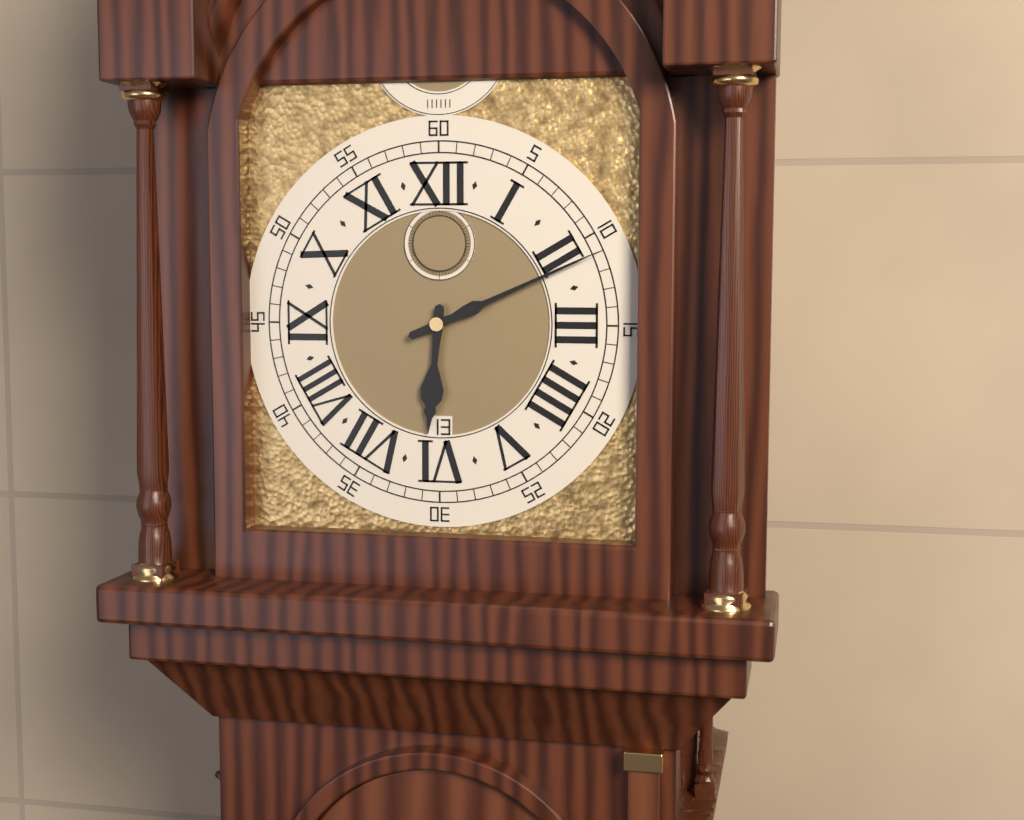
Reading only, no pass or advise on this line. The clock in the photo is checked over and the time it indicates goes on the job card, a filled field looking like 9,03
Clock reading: 6,11
